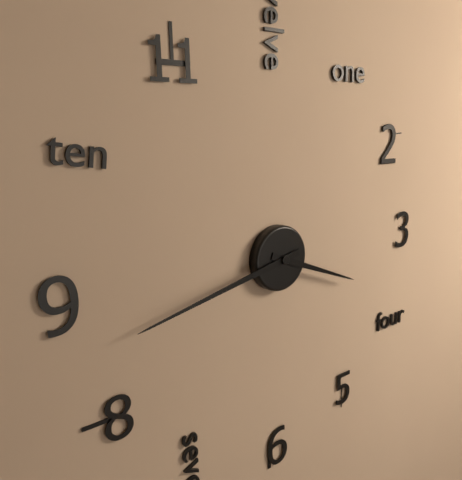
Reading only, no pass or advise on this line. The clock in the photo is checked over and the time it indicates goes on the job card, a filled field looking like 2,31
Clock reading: 3,43
